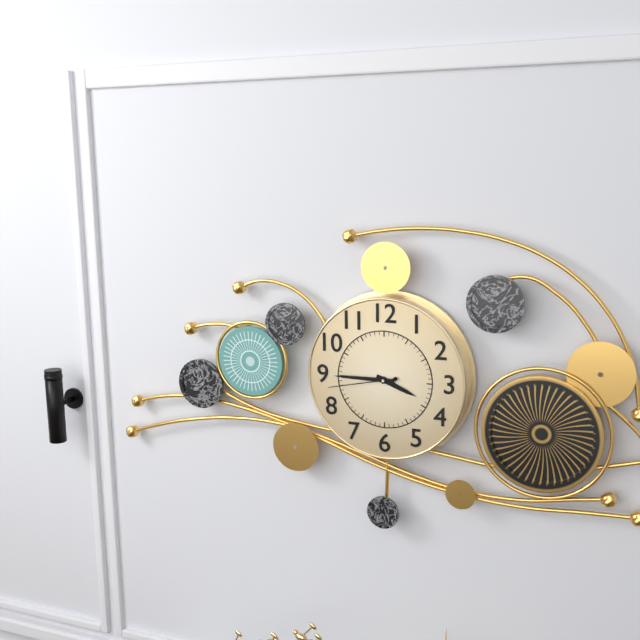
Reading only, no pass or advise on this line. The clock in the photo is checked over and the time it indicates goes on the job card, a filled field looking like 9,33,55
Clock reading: 3,45,43
